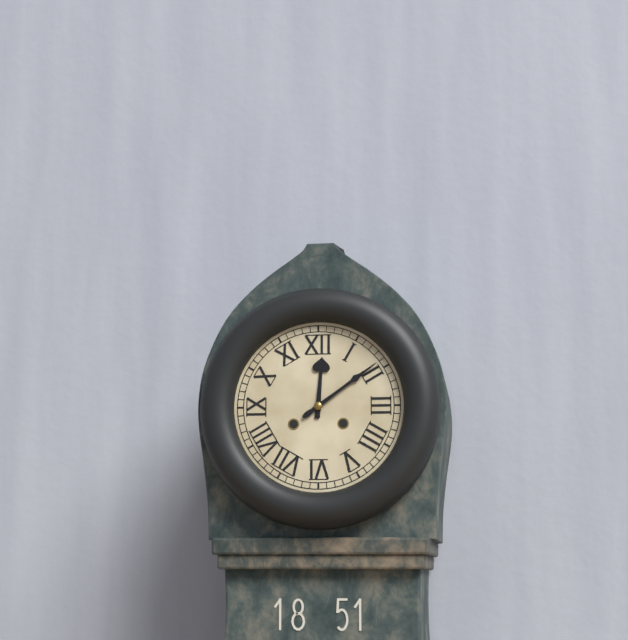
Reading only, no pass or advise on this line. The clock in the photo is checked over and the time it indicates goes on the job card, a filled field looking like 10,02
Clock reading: 12,09
